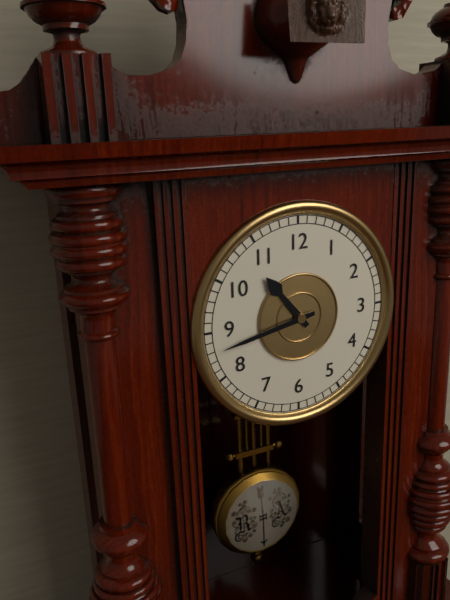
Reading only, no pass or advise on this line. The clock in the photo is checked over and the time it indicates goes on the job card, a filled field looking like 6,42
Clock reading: 10,43
